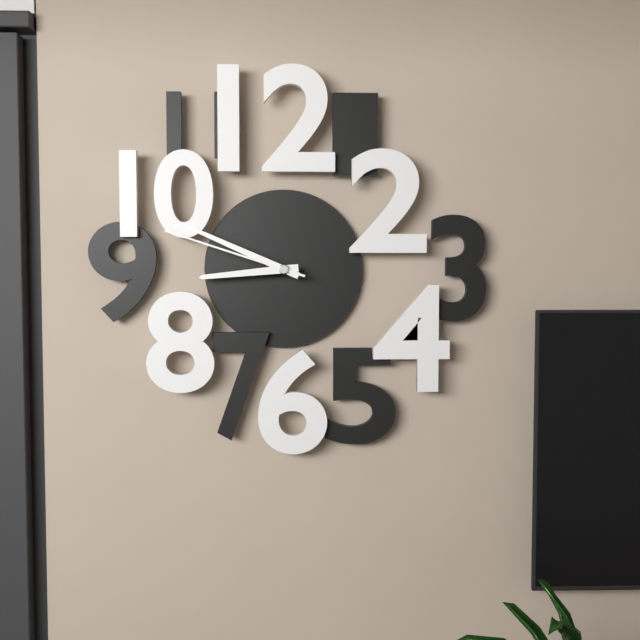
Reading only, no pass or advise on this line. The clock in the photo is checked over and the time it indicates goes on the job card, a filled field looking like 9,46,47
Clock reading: 8,49,48
